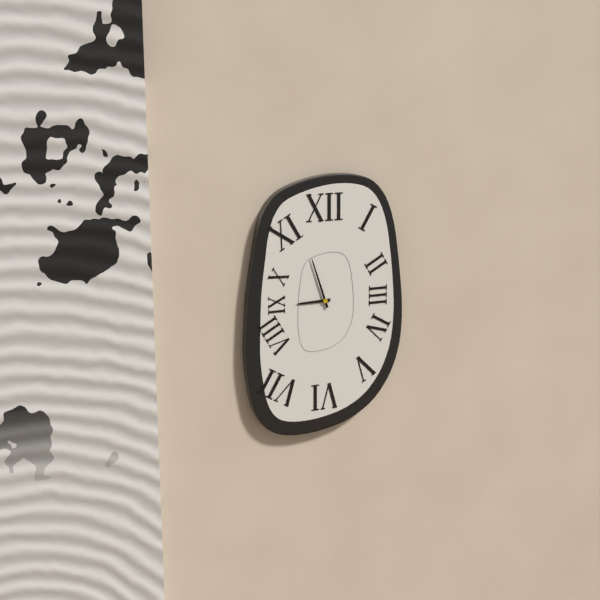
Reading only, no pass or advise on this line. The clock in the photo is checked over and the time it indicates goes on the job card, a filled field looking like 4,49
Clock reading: 8,57
